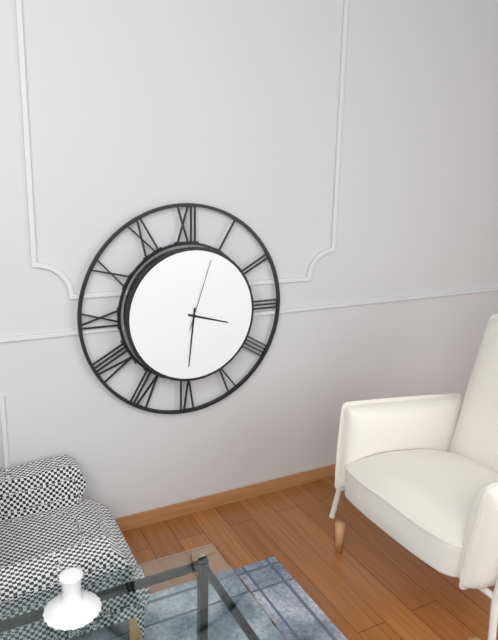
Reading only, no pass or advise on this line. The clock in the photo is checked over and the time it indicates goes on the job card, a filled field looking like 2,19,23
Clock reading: 3,31,03
